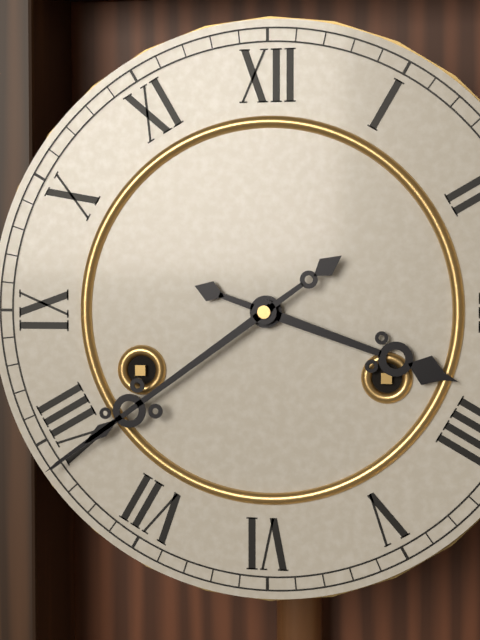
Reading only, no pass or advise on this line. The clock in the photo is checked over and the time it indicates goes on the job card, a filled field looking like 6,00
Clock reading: 3,39
